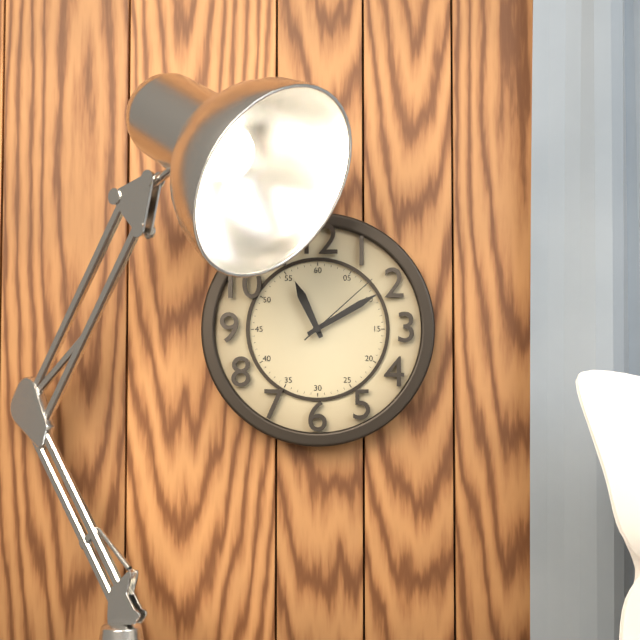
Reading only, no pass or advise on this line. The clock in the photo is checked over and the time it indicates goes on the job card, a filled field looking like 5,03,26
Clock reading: 11,10,08
